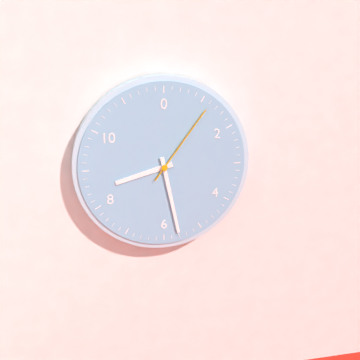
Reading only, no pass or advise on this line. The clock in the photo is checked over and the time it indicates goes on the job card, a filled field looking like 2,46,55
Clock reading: 8,28,06
